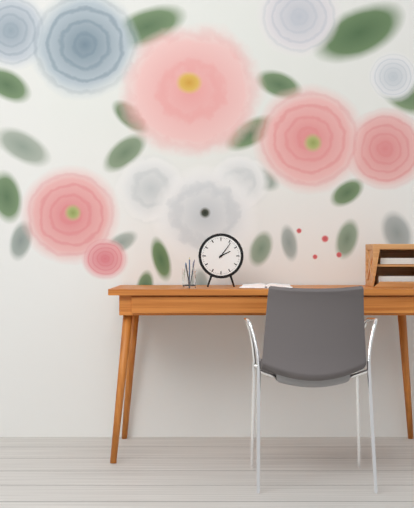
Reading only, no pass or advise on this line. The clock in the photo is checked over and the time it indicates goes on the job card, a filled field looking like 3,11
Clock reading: 2,06
